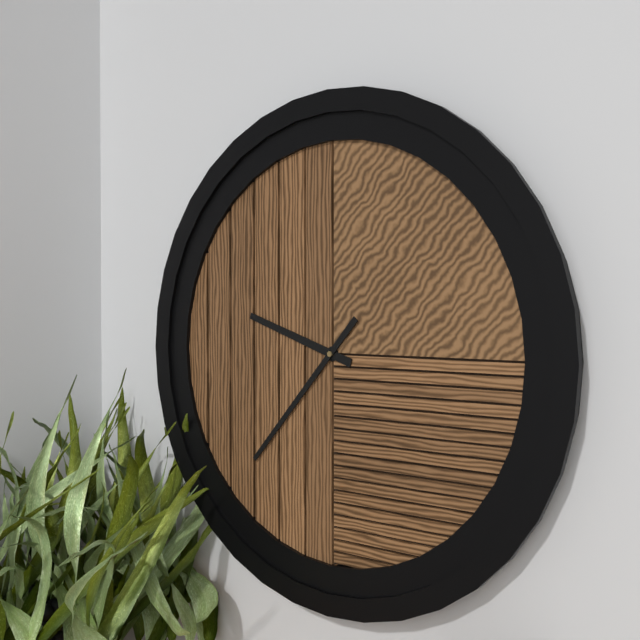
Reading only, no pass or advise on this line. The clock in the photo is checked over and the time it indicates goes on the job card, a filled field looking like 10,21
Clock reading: 9,37
